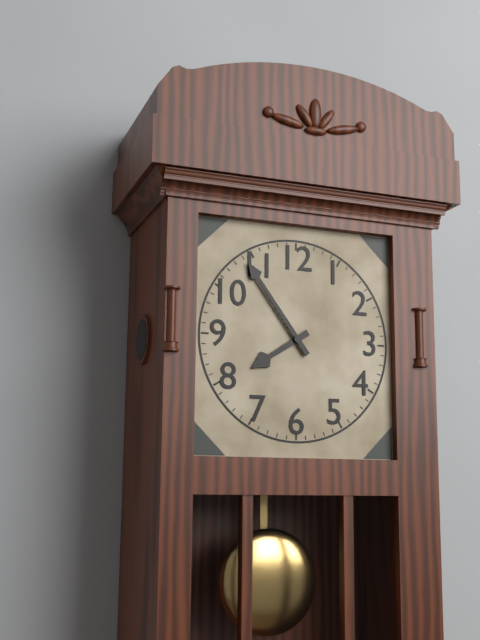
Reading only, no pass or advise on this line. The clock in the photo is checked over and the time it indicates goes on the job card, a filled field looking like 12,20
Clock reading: 7,54
